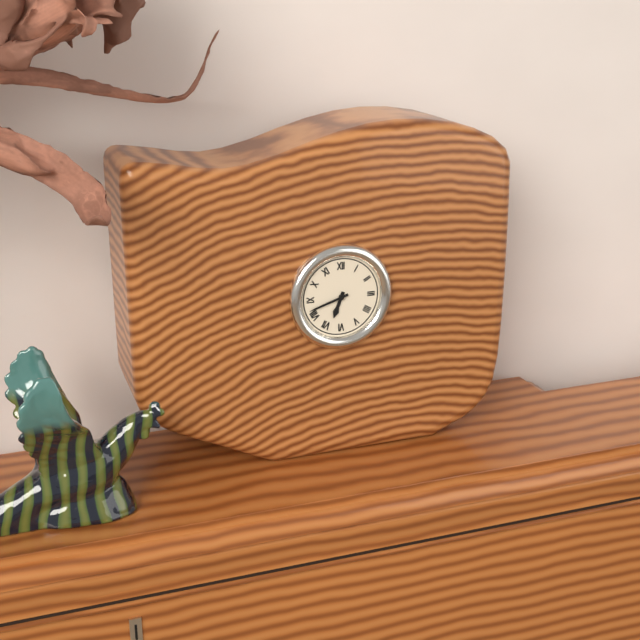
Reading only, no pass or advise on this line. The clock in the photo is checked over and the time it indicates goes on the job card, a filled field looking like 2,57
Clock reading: 6,42
